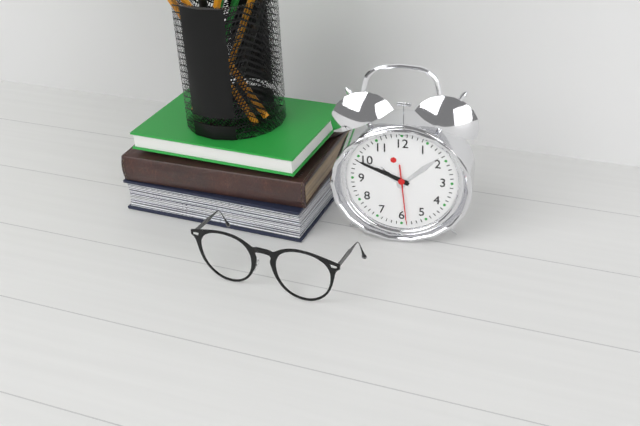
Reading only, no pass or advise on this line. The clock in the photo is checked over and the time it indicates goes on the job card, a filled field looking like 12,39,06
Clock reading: 9,49,29
